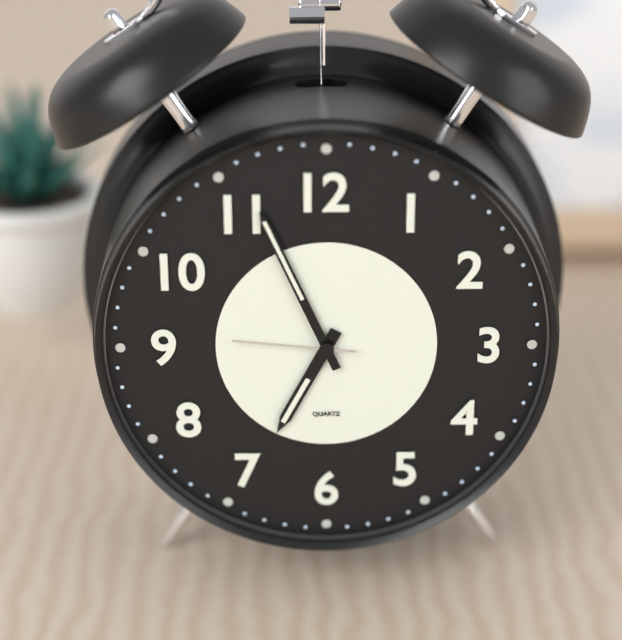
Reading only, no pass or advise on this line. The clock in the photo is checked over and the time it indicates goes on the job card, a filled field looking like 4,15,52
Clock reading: 6,56,46
